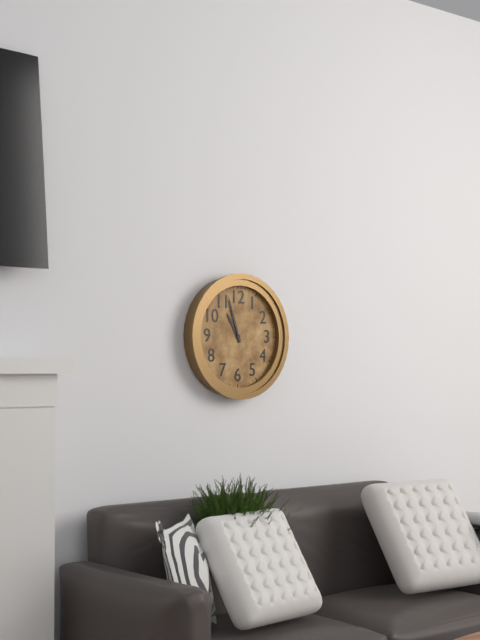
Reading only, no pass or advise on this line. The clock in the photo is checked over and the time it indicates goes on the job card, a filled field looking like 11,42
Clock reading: 10,57
